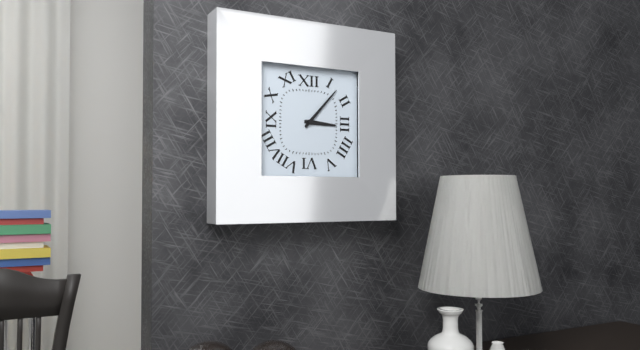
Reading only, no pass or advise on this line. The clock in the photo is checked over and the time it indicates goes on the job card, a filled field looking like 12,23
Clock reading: 3,07
